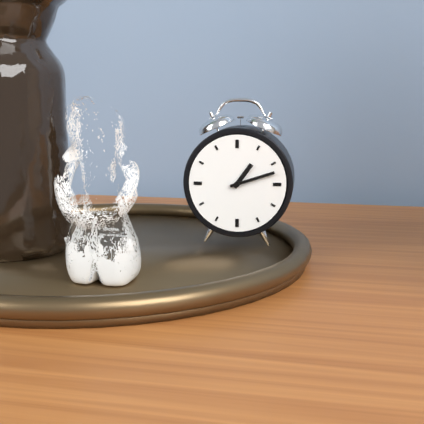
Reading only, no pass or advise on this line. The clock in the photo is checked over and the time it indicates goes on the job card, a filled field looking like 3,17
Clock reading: 1,12
